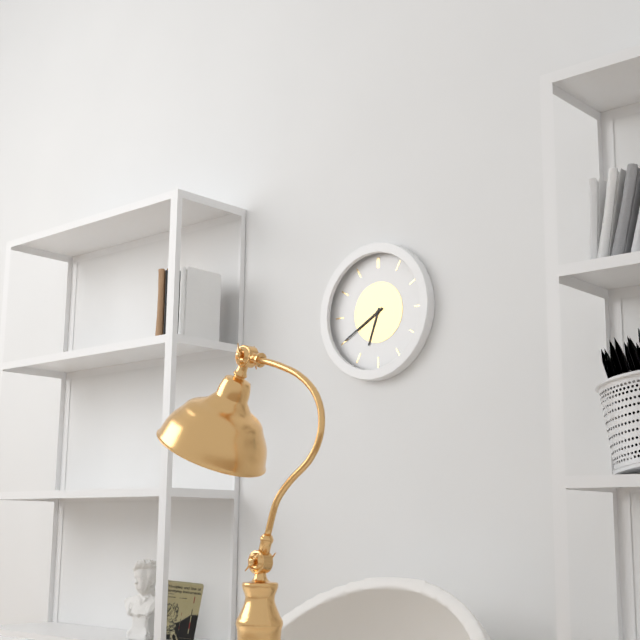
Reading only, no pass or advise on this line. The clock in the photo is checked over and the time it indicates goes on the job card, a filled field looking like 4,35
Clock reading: 6,40
